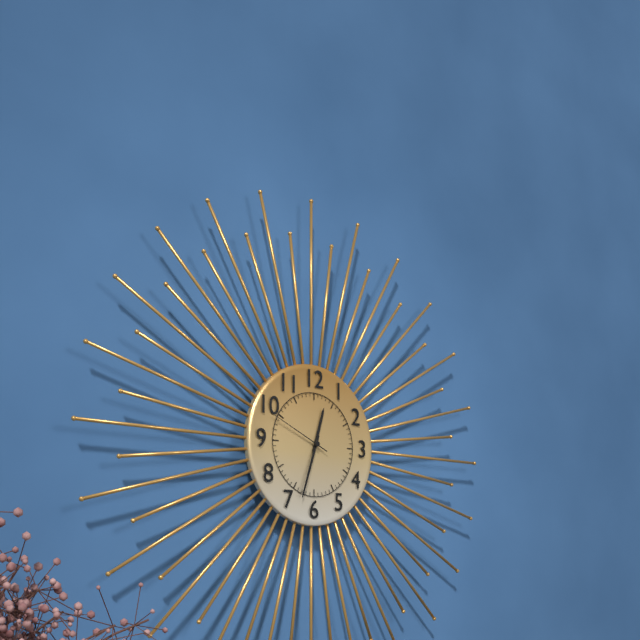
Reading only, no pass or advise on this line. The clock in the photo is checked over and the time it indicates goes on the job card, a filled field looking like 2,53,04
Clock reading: 12,33,49
